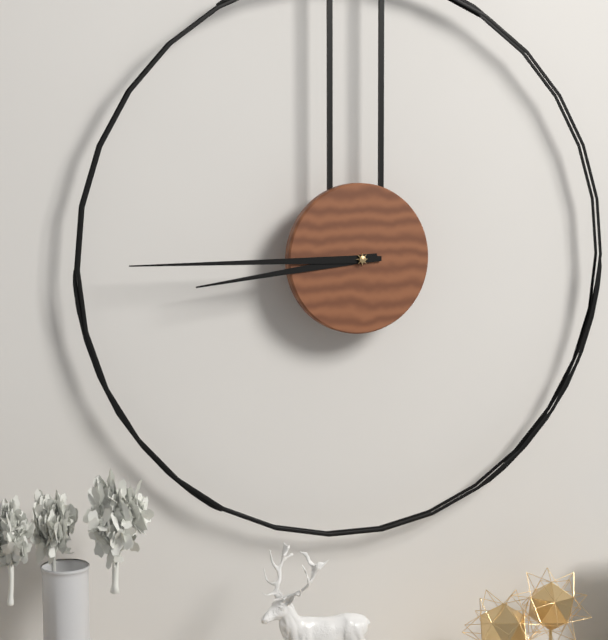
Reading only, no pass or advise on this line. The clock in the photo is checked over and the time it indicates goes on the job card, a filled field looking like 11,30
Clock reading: 8,45
